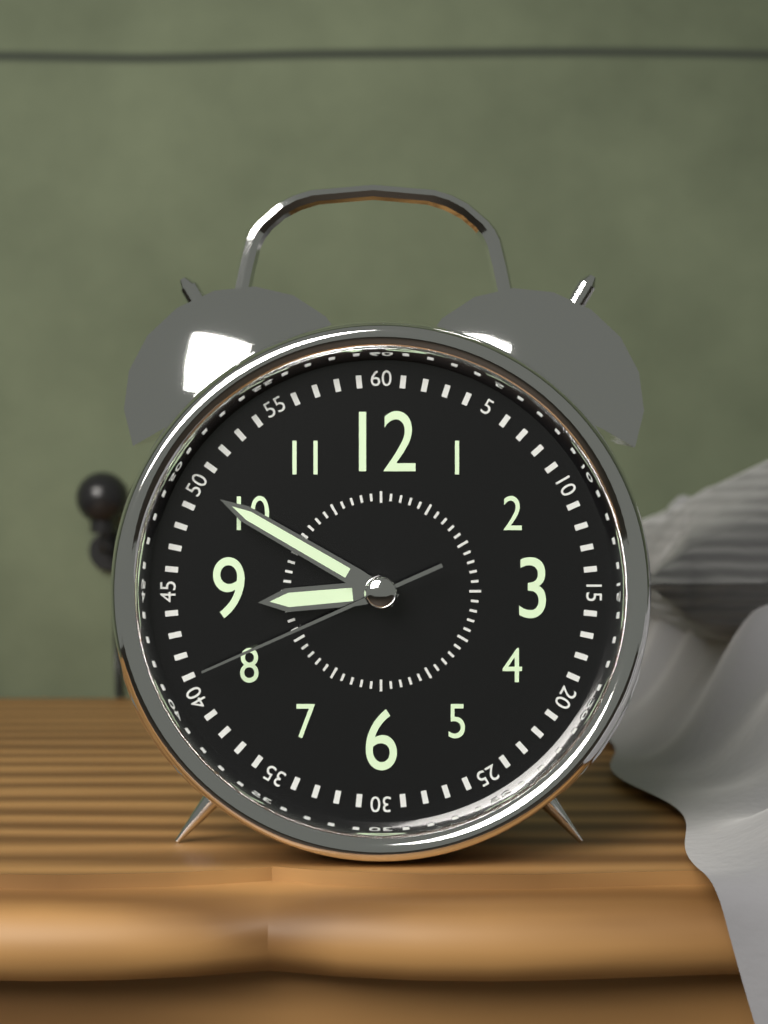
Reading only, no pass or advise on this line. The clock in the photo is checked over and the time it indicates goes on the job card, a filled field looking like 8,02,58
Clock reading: 8,50,41
